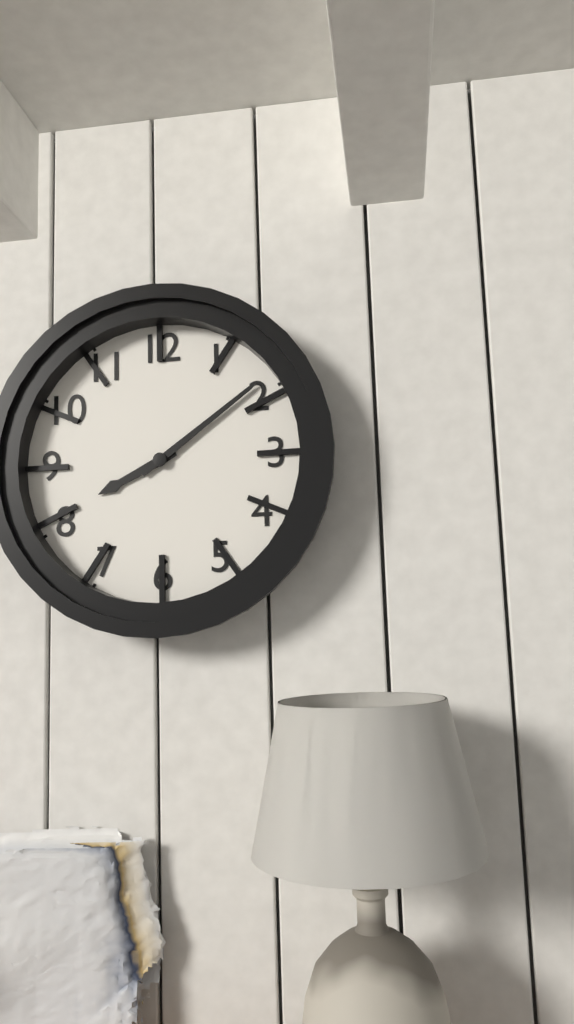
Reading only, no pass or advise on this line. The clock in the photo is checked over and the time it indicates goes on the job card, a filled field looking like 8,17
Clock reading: 8,09
